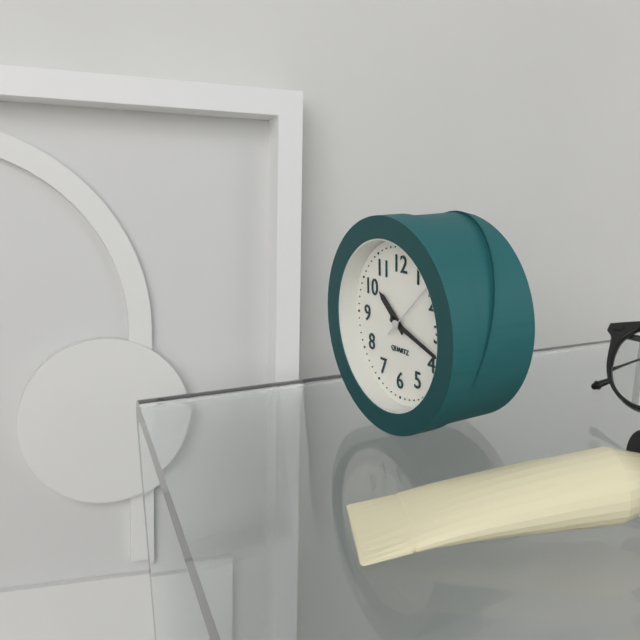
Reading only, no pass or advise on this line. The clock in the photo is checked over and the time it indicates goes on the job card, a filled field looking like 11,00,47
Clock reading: 10,18,08
